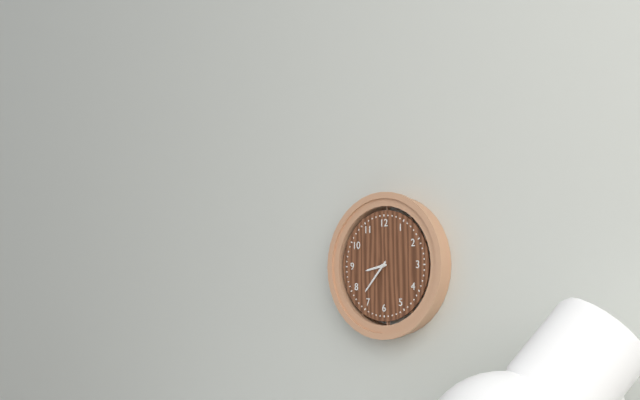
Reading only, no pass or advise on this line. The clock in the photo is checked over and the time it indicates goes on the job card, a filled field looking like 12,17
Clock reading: 8,37
